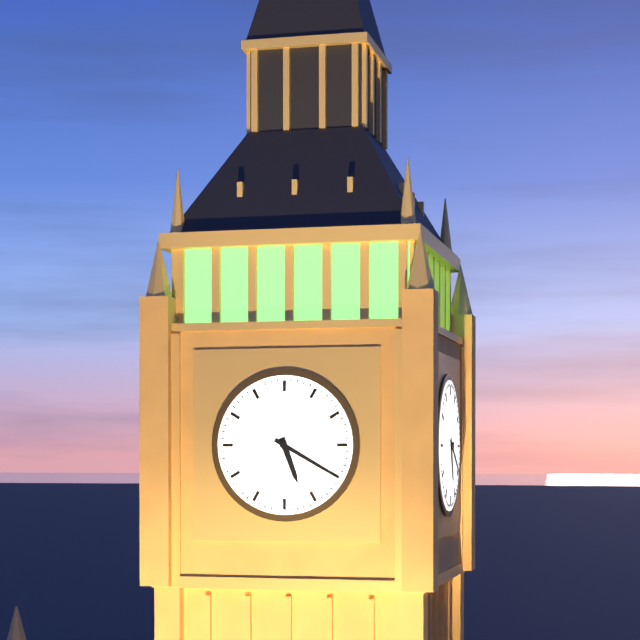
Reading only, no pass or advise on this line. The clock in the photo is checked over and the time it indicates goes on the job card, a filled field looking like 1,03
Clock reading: 5,20
